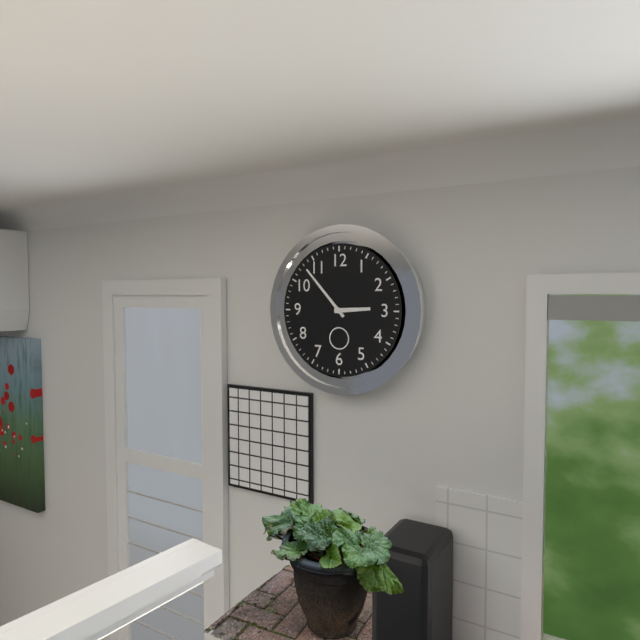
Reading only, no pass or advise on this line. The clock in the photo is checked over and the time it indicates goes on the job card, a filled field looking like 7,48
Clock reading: 2,53
